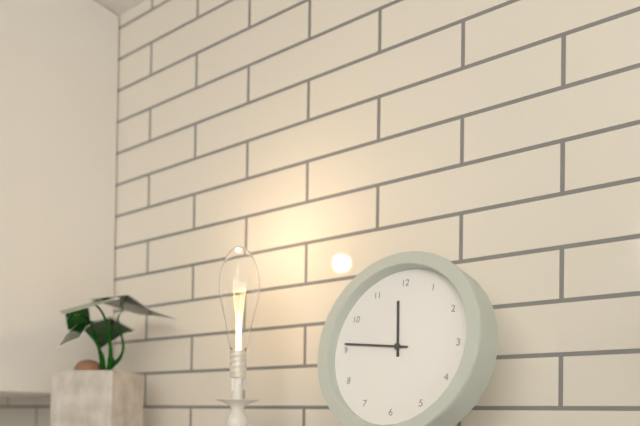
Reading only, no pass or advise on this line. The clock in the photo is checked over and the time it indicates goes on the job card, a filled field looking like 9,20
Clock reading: 11,46
